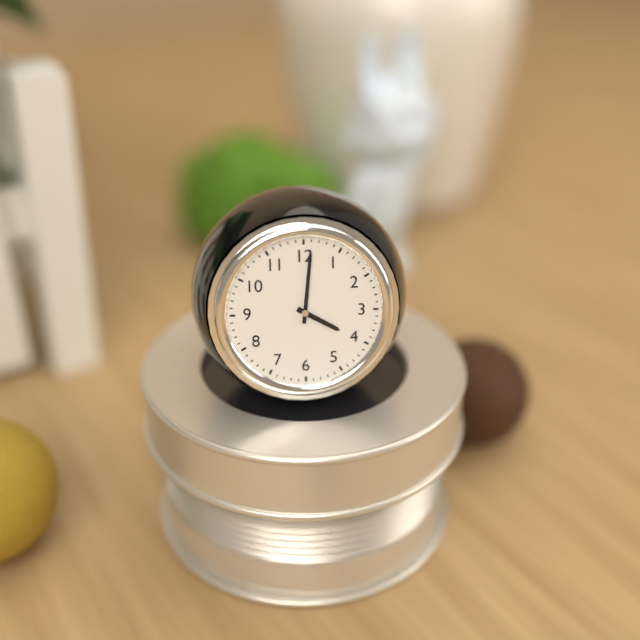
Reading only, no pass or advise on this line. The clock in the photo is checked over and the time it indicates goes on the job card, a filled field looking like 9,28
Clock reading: 4,01
